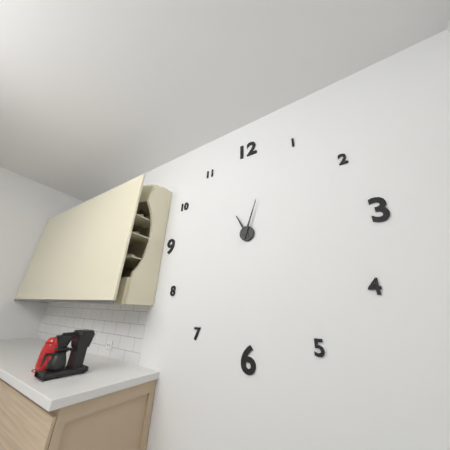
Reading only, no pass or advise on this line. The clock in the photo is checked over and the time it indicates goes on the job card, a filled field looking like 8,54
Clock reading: 11,03
